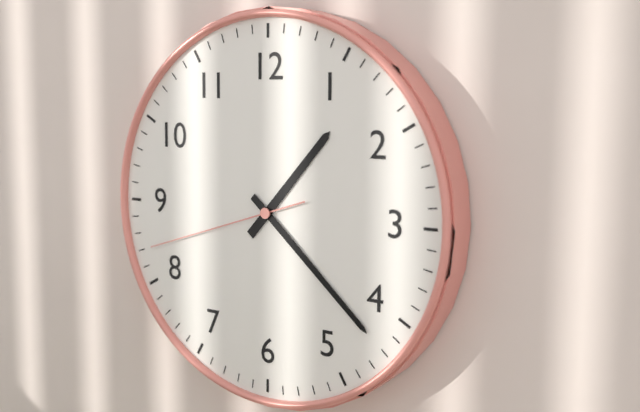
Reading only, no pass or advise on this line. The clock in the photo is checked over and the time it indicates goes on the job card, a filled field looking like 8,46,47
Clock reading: 1,22,42
